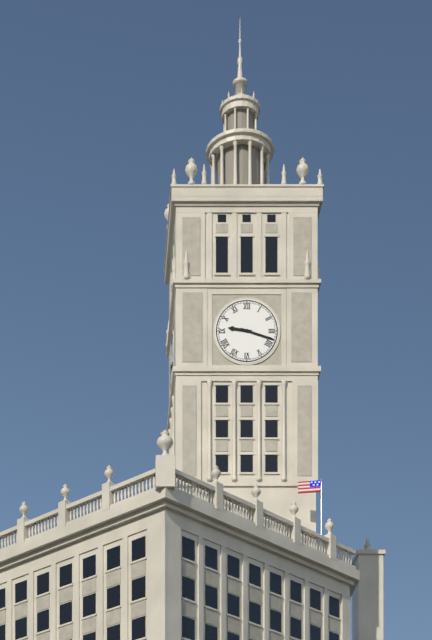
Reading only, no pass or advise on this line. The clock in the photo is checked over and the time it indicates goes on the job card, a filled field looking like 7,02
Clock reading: 9,18
